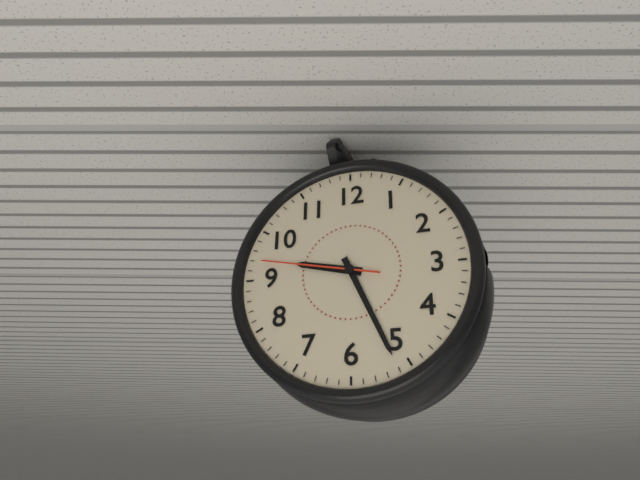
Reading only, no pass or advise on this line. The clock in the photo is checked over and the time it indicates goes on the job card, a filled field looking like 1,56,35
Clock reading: 9,26,47
